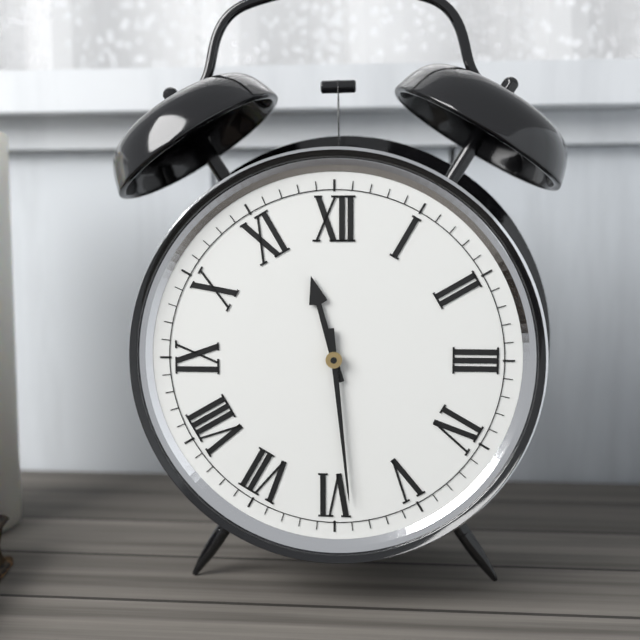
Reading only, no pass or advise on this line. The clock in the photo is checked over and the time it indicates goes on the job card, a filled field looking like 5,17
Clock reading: 11,29
